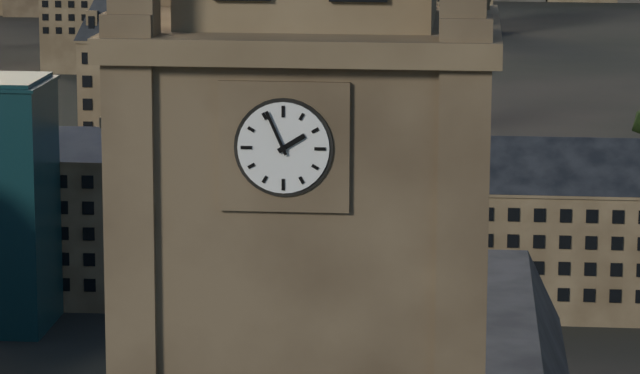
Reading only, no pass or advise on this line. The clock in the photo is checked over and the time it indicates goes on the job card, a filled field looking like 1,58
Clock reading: 1,56
